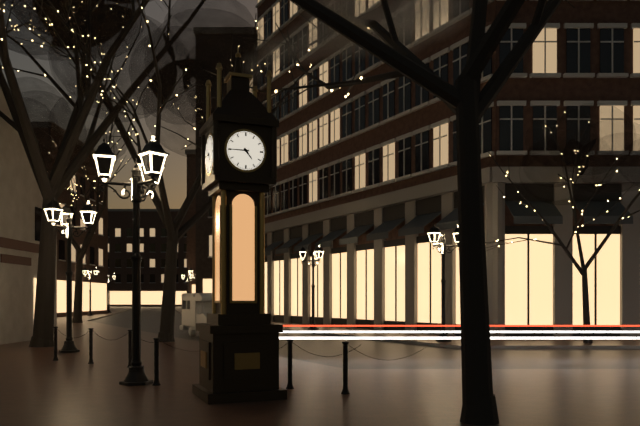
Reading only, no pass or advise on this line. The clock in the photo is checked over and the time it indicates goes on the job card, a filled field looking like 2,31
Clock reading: 4,45
